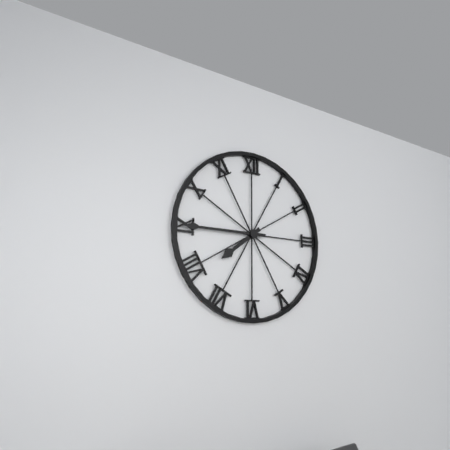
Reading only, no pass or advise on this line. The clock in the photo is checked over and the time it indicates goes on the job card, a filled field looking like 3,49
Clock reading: 7,45
